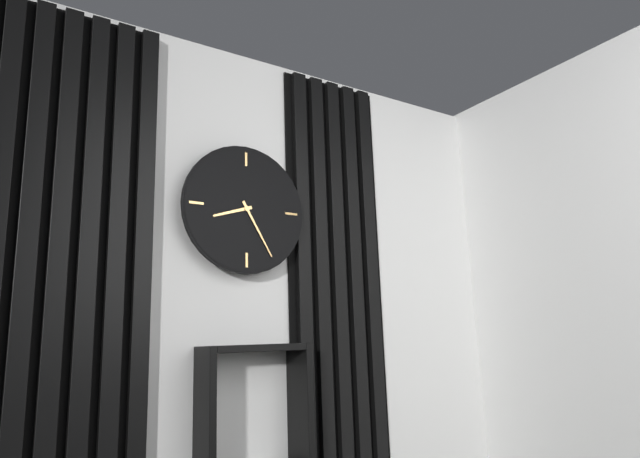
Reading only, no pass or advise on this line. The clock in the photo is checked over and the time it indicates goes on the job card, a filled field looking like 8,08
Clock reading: 8,25
